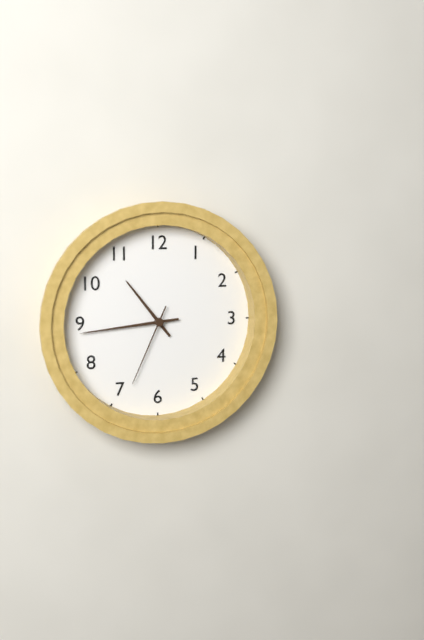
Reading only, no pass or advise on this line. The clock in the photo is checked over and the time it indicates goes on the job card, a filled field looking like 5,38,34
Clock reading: 10,44,34
